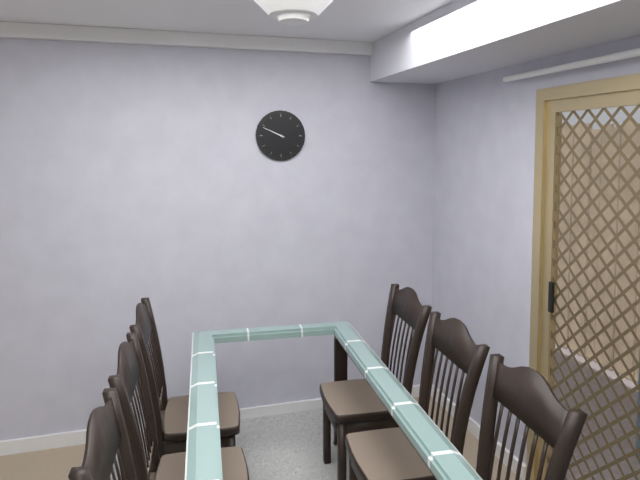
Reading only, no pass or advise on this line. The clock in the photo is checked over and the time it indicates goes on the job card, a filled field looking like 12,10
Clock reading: 9,49
